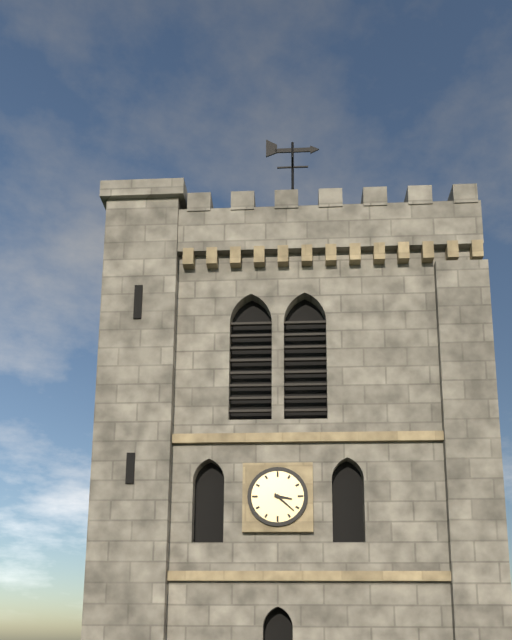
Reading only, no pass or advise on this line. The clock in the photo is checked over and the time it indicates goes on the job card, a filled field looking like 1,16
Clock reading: 3,22
